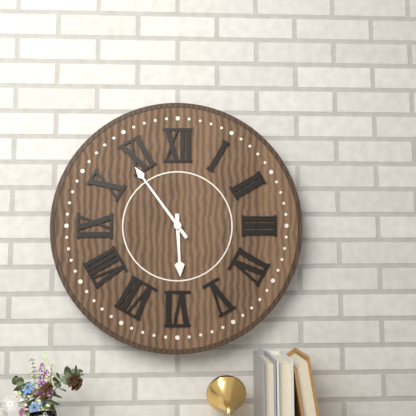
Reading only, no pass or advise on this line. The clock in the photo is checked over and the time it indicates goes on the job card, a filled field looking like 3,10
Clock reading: 5,54
